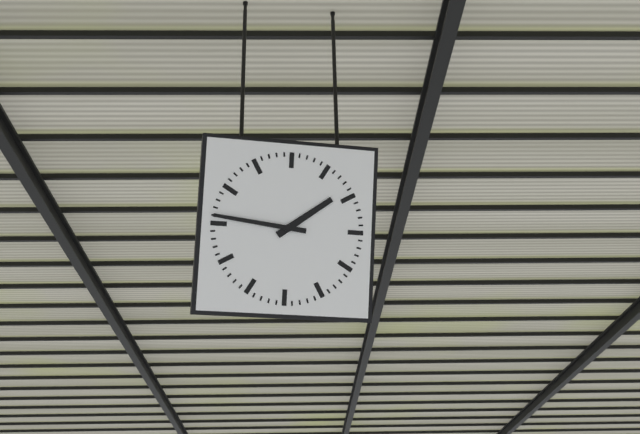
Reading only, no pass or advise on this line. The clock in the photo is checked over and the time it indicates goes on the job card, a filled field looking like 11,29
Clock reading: 1,46
